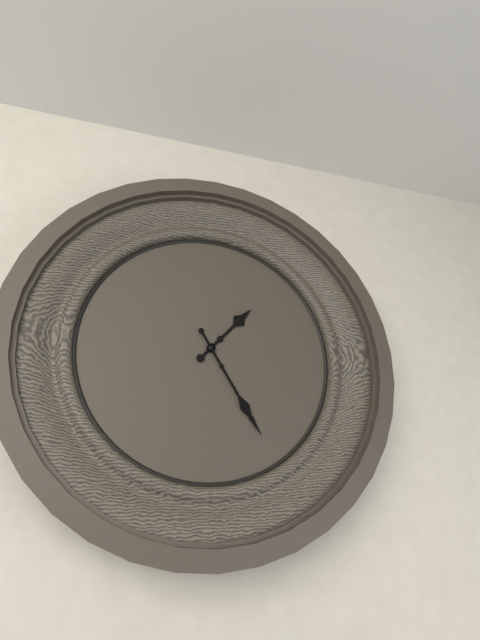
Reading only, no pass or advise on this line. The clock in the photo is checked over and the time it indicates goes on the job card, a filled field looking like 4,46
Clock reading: 1,25
